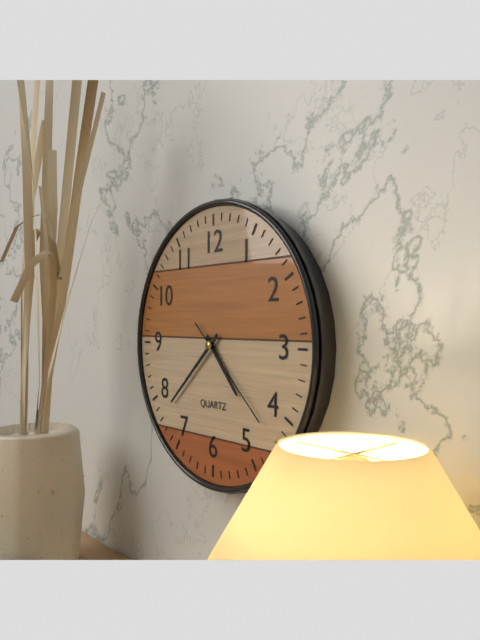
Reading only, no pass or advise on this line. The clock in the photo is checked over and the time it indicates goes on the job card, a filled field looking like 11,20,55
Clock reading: 4,38,22
